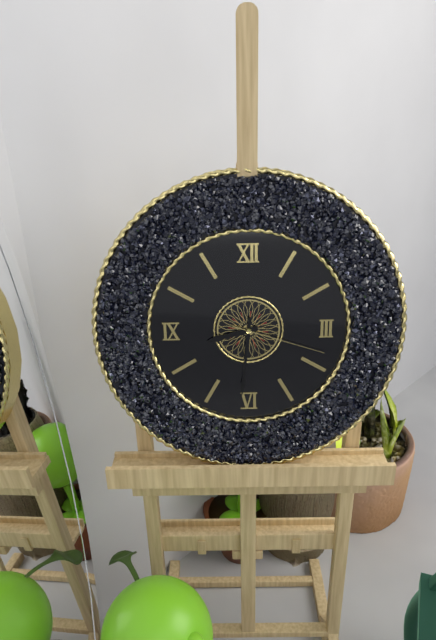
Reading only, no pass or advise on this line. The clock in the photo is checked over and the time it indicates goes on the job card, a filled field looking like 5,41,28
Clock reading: 8,31,18
